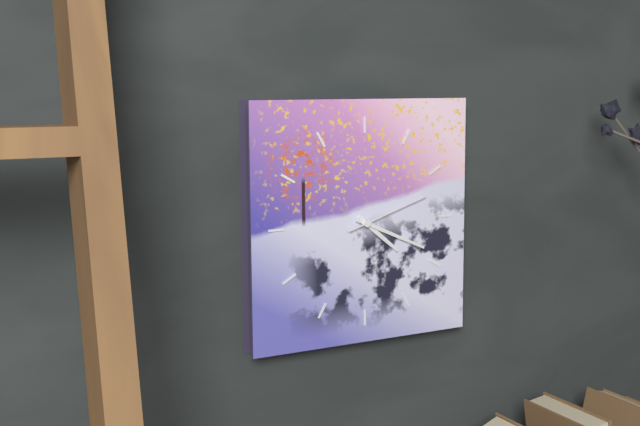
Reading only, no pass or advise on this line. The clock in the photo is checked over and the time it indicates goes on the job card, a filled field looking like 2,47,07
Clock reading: 4,19,12
